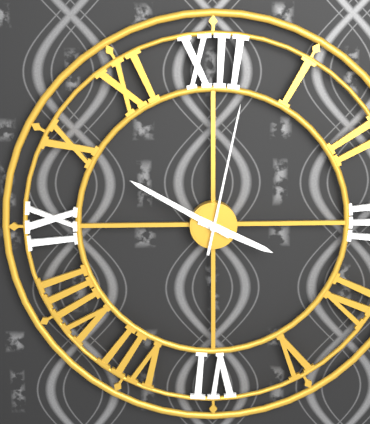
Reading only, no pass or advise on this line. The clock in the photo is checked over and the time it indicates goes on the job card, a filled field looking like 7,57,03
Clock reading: 3,50,02
